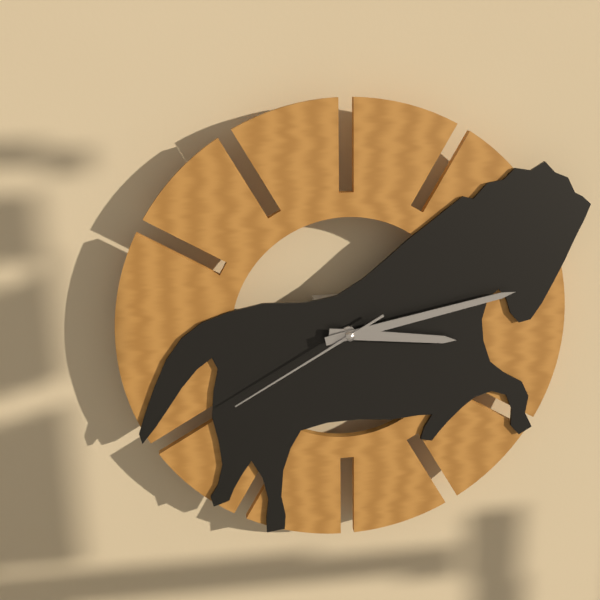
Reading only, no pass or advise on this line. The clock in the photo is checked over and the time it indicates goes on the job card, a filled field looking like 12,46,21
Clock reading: 3,13,40
